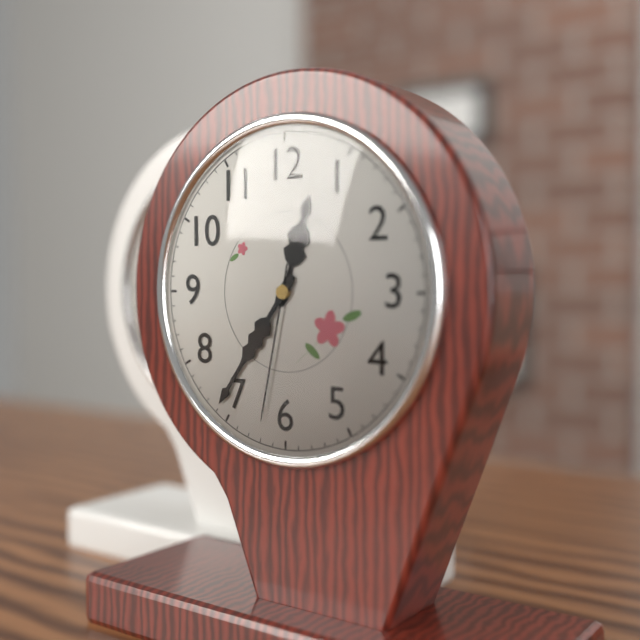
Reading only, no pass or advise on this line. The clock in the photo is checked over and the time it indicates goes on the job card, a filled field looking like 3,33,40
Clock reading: 12,36,32
